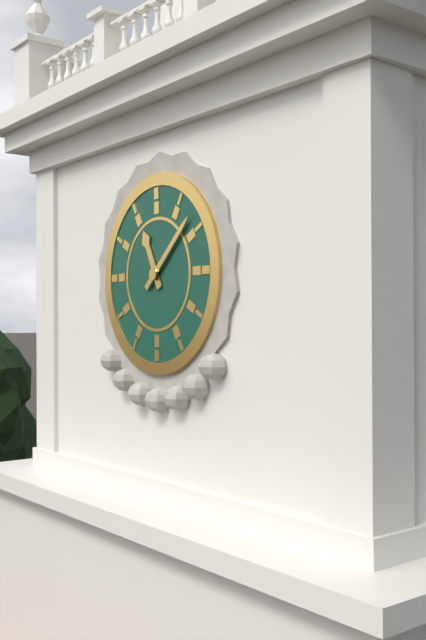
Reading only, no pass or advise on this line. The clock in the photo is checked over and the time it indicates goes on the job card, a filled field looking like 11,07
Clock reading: 11,08
